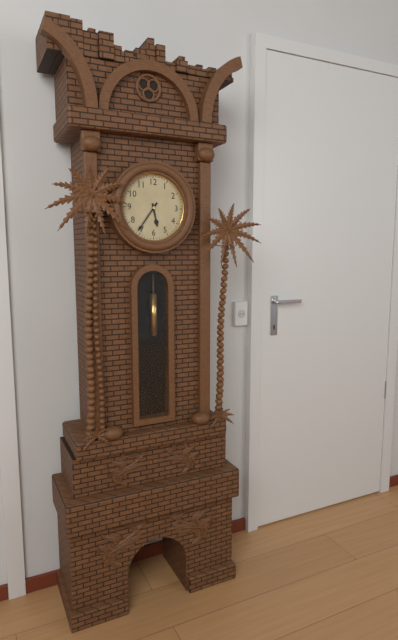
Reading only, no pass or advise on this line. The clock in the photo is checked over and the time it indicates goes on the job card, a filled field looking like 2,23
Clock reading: 5,36
